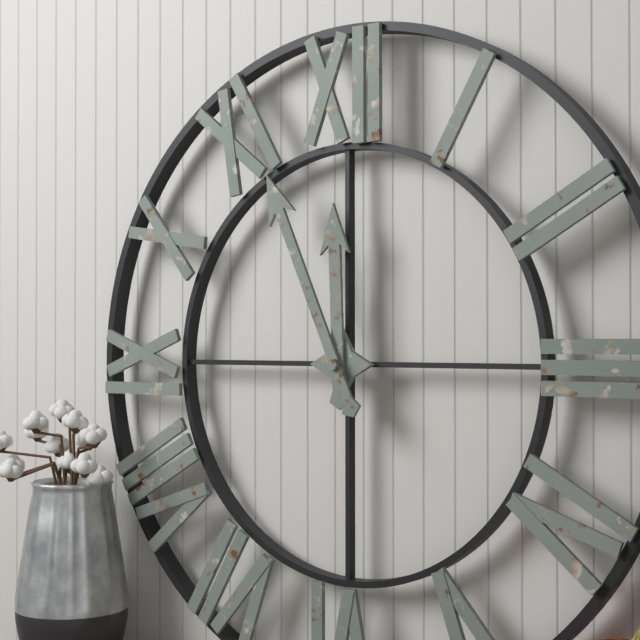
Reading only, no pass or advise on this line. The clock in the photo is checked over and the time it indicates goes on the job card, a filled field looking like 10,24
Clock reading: 11,56
